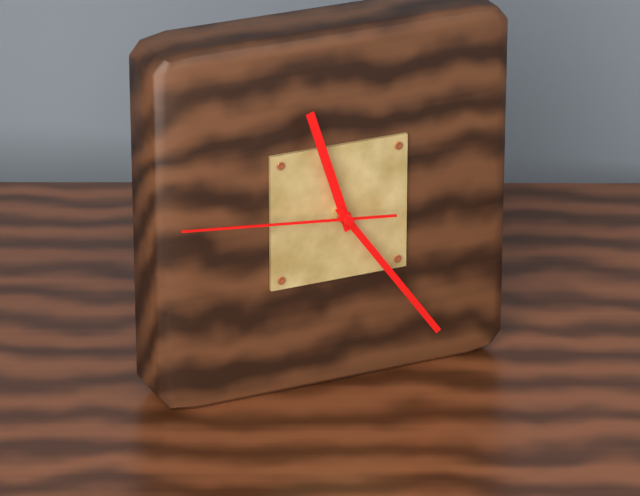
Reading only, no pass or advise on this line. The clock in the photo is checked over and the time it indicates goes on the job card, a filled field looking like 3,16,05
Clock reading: 11,24,46
